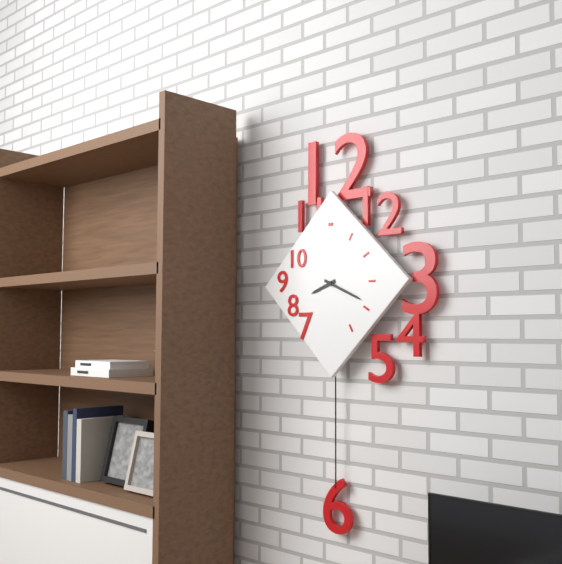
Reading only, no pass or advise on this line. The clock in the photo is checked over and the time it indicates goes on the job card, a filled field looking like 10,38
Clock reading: 8,19
